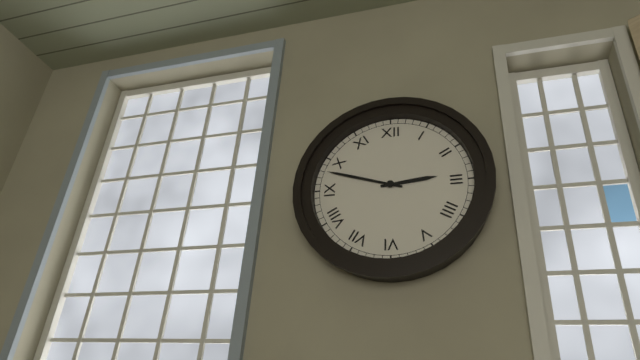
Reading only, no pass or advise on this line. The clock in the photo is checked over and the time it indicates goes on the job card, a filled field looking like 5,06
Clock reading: 2,48
